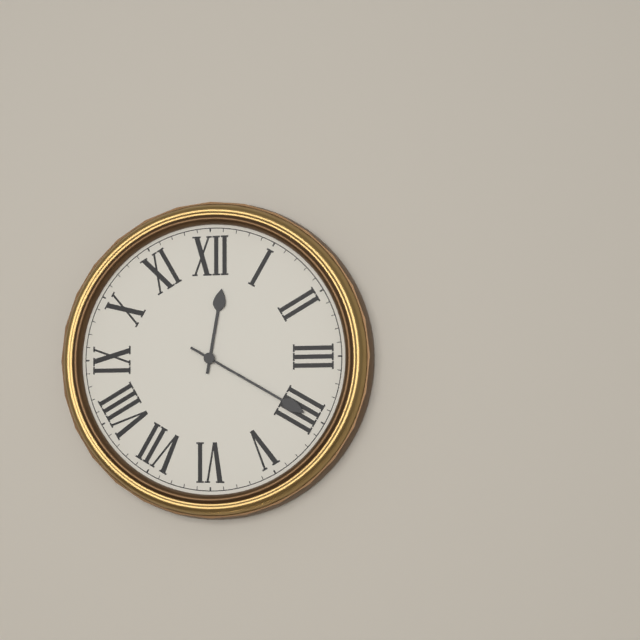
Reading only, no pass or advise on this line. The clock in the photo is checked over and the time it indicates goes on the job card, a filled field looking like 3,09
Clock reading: 12,20
